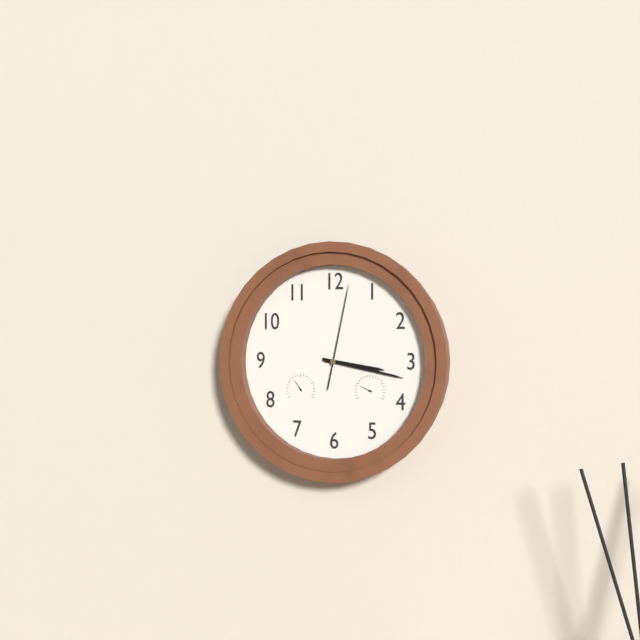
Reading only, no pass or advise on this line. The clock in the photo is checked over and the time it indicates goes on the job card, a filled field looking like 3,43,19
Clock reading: 3,17,02
